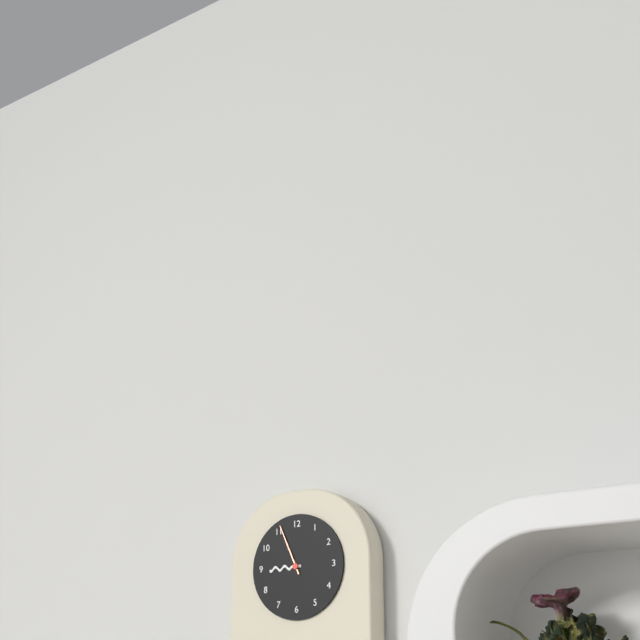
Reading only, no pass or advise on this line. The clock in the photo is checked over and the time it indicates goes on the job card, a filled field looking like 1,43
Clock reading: 8,56
